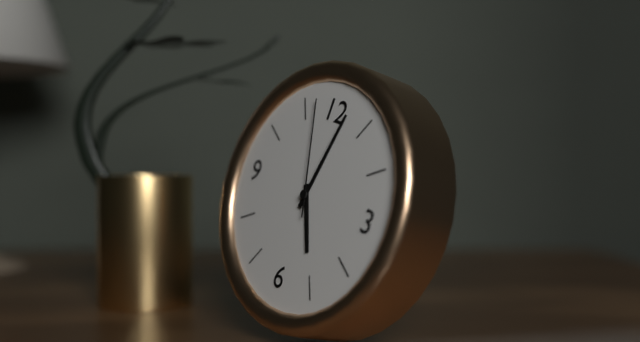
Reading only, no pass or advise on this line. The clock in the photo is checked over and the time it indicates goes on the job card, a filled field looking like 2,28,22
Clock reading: 5,02,57
